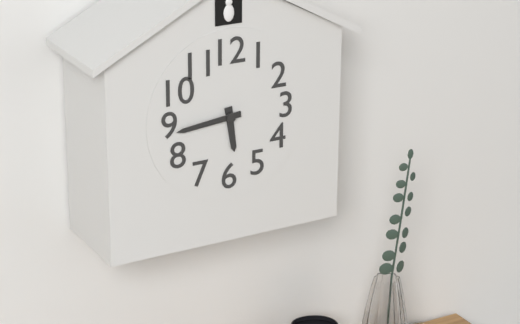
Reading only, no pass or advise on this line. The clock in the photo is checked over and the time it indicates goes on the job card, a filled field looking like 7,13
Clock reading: 5,44
